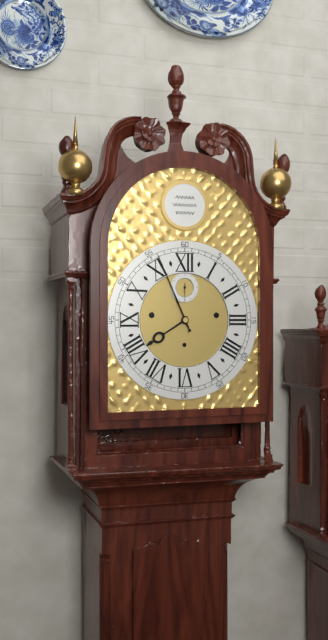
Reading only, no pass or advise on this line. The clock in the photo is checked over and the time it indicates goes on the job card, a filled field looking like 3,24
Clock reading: 7,56
